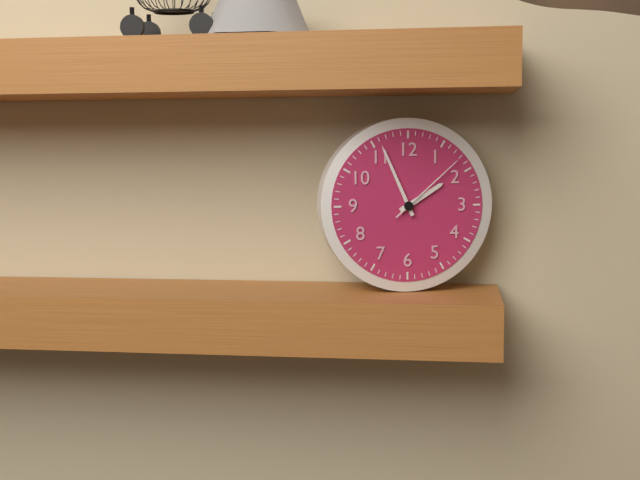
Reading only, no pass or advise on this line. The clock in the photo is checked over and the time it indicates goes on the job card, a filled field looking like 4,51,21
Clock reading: 1,56,08
